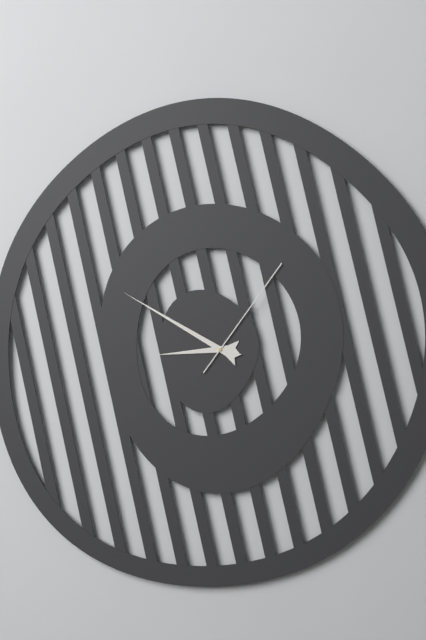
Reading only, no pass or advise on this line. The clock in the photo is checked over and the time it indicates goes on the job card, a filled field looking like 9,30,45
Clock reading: 8,50,06
